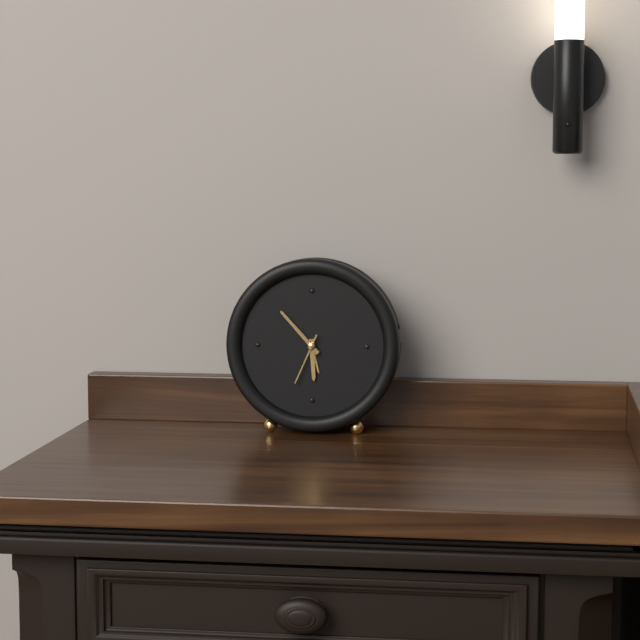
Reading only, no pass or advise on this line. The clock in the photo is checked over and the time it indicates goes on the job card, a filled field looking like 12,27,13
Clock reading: 5,53,34
